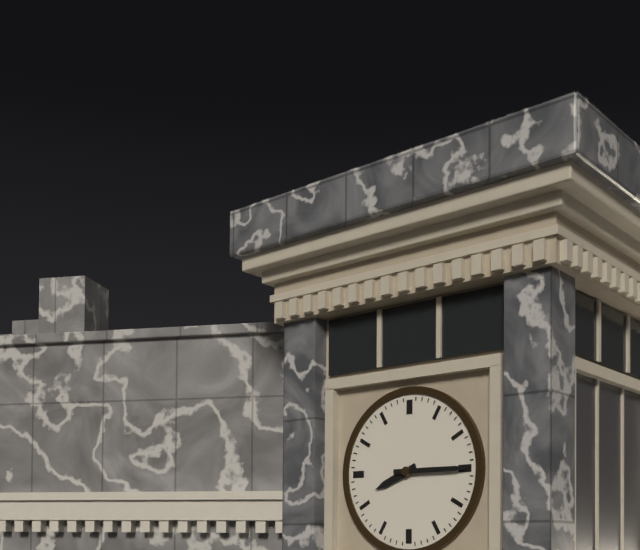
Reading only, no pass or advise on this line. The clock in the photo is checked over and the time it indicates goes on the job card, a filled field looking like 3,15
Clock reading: 8,15
